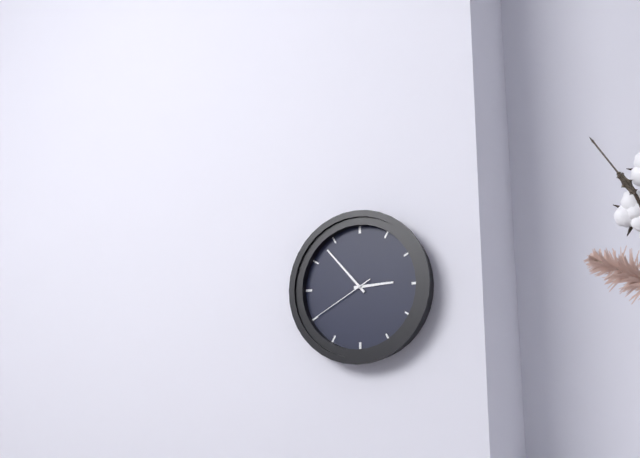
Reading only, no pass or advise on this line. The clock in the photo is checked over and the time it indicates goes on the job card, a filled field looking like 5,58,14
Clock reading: 2,53,40
